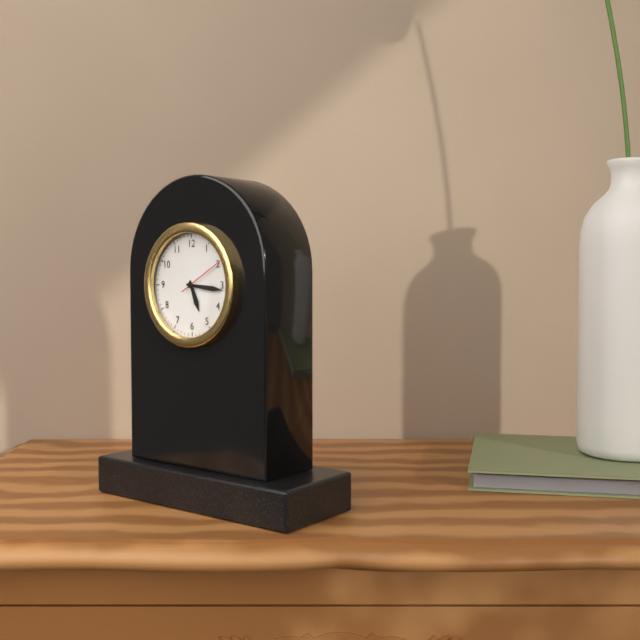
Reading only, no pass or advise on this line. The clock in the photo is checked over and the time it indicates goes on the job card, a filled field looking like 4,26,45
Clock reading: 5,16,10
